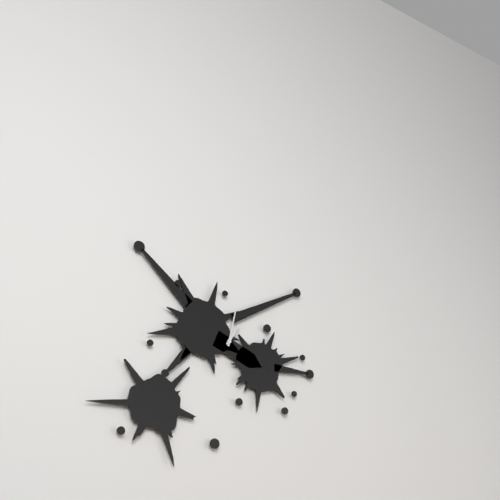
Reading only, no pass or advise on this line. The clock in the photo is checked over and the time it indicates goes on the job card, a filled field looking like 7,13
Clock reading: 1,02
